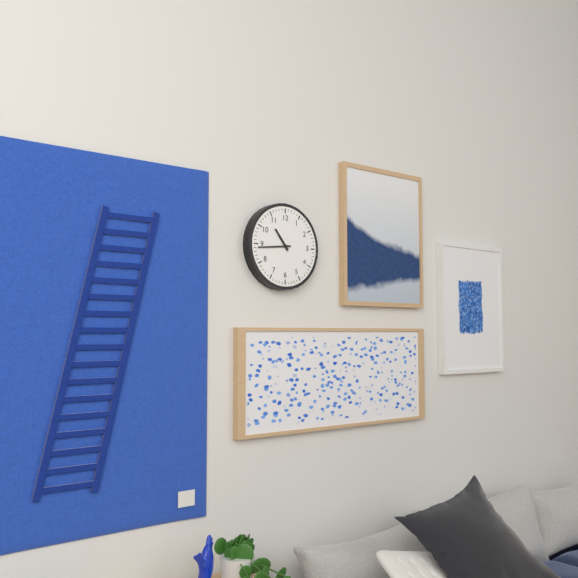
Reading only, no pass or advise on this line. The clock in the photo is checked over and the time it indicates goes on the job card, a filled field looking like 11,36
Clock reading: 10,44
